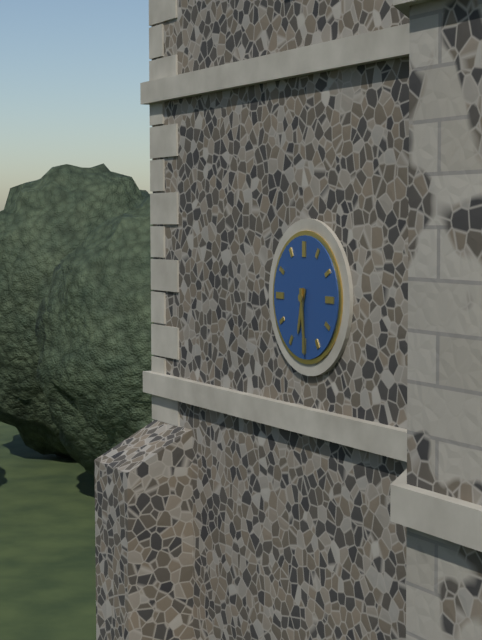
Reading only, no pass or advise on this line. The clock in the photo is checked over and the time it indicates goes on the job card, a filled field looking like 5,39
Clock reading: 6,29
